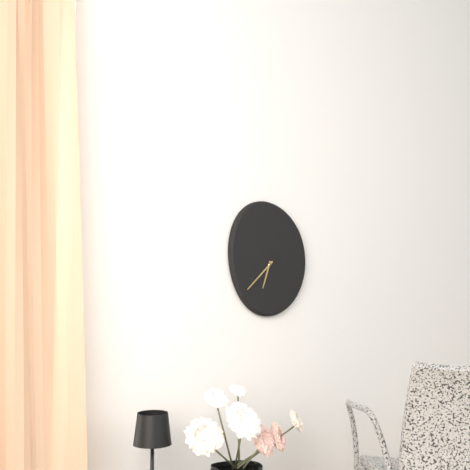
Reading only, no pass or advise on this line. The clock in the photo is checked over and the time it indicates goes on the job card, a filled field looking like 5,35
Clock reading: 6,38
